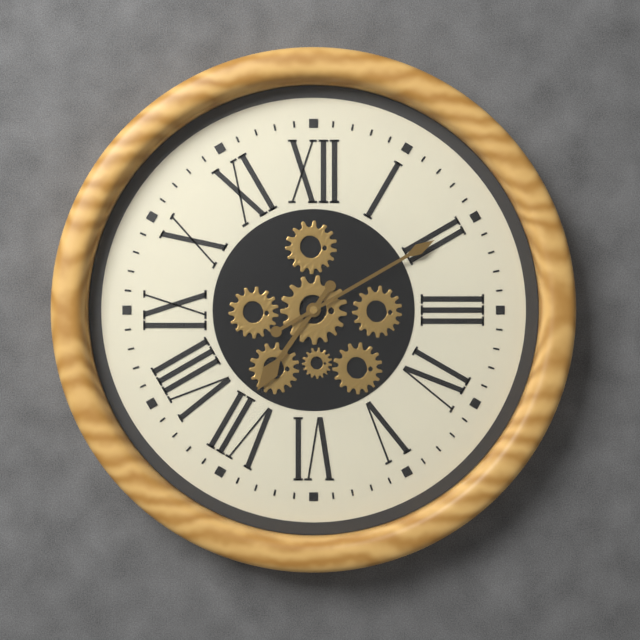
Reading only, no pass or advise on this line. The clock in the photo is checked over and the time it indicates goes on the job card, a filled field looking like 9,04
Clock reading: 7,10
